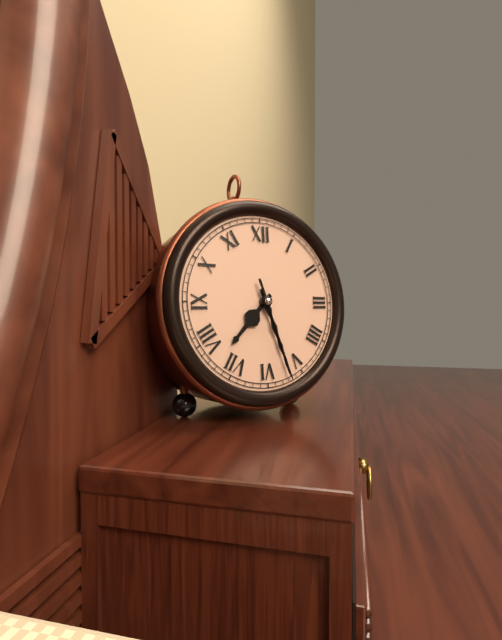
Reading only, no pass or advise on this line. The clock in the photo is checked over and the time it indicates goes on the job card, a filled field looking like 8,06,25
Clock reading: 7,27,27
